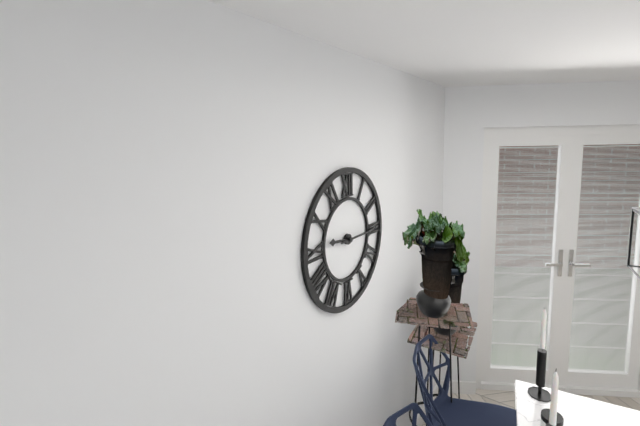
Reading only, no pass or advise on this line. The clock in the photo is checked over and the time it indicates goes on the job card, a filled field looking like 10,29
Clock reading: 9,15
